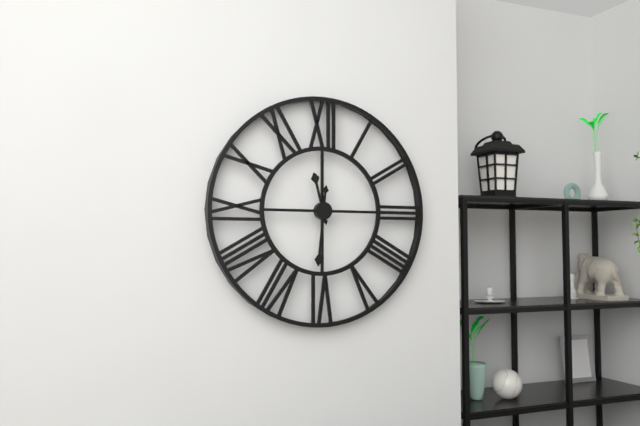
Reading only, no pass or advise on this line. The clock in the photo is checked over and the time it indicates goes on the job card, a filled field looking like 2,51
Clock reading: 11,31
